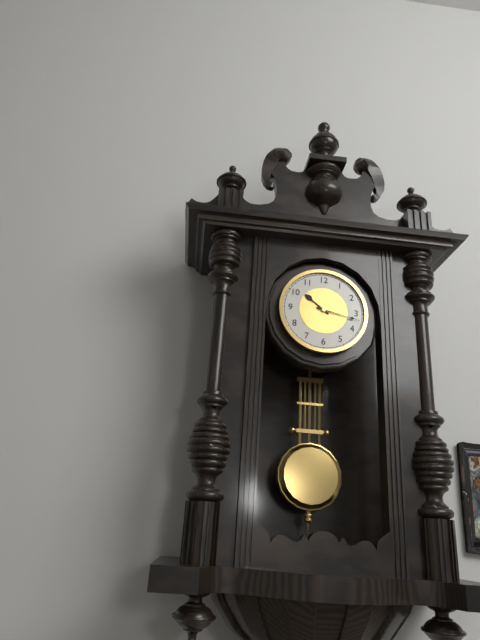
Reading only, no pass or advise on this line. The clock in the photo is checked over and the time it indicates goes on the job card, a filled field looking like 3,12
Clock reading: 10,17
